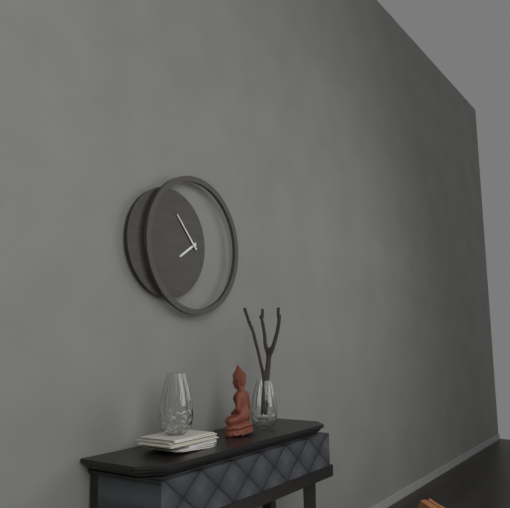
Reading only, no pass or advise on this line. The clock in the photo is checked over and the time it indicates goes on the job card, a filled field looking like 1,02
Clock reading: 7,53
